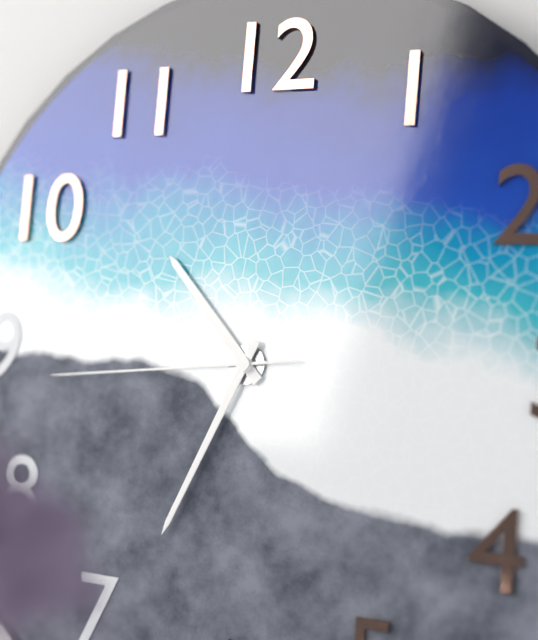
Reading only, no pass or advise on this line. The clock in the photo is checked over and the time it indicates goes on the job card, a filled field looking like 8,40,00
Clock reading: 10,34,44
